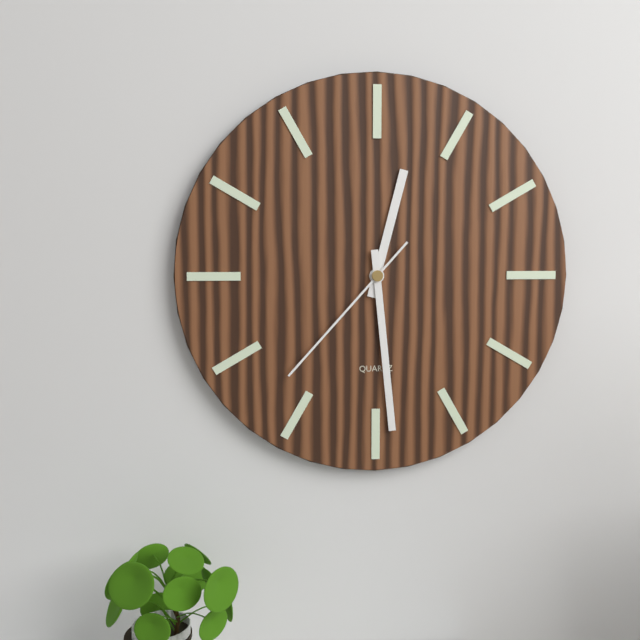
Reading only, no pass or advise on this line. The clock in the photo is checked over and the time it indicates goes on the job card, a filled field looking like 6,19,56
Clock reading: 12,29,37
